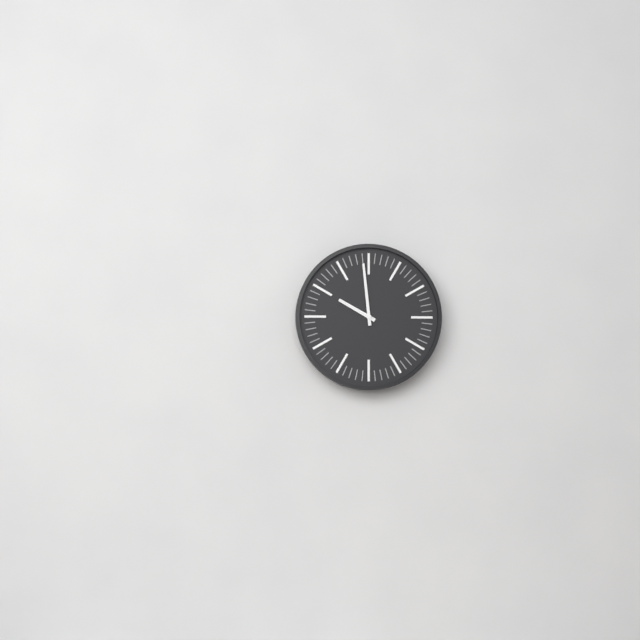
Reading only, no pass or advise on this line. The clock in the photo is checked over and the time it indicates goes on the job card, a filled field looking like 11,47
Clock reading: 9,59
